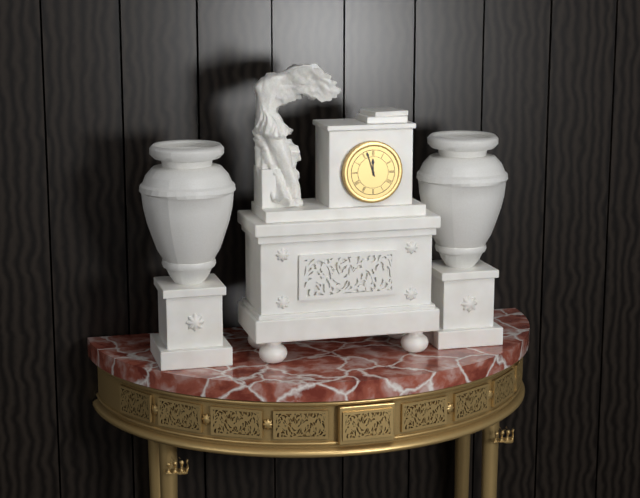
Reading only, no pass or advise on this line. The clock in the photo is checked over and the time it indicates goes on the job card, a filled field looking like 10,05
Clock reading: 11,57
